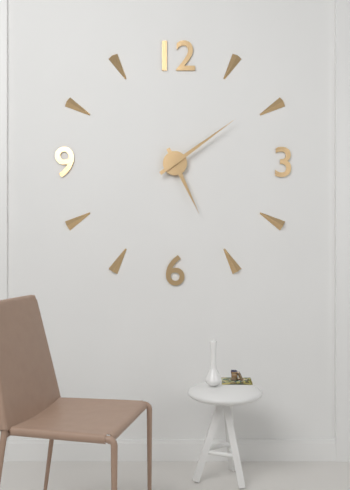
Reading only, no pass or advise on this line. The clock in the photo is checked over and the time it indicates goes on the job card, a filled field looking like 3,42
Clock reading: 5,09
